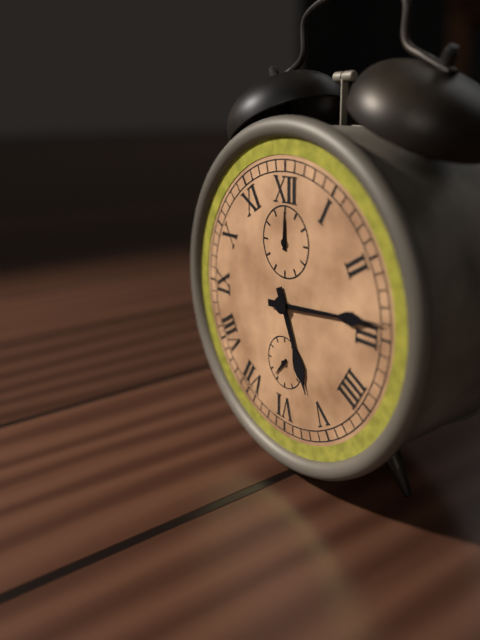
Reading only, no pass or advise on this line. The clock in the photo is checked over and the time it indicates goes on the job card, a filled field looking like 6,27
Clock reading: 5,14
